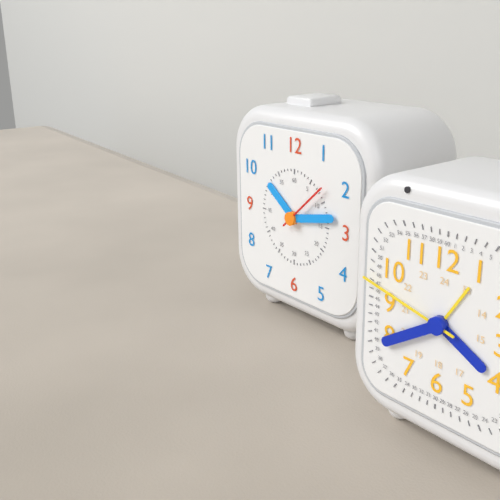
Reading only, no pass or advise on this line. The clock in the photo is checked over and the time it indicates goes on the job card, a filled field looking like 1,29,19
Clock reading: 10,13,08
